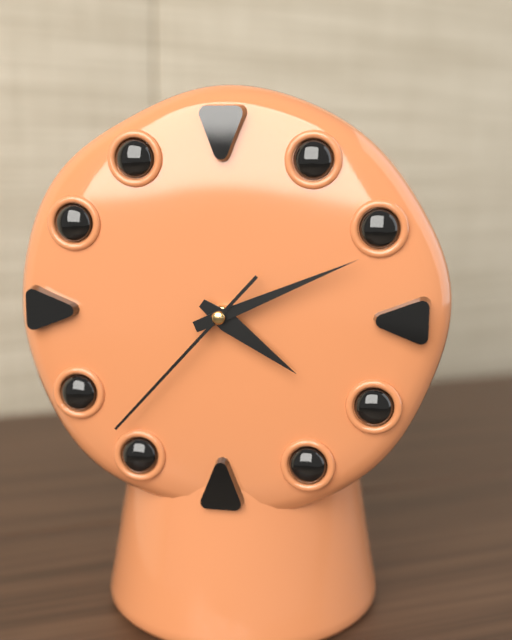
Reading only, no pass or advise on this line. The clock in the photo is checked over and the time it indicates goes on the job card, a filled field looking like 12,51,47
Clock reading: 4,11,37
